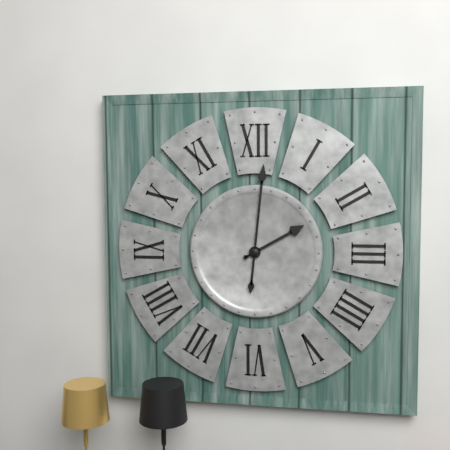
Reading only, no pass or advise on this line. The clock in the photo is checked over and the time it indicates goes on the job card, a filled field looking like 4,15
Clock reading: 2,01
